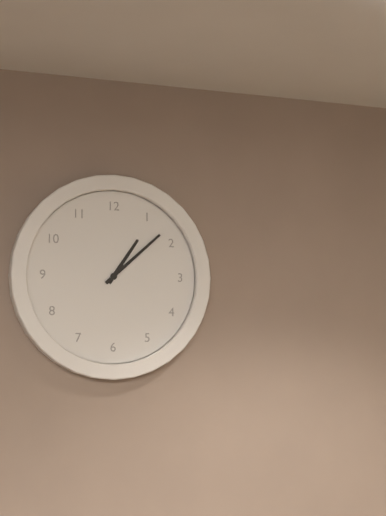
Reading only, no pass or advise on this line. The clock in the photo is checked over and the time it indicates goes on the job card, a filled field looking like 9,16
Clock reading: 1,08
